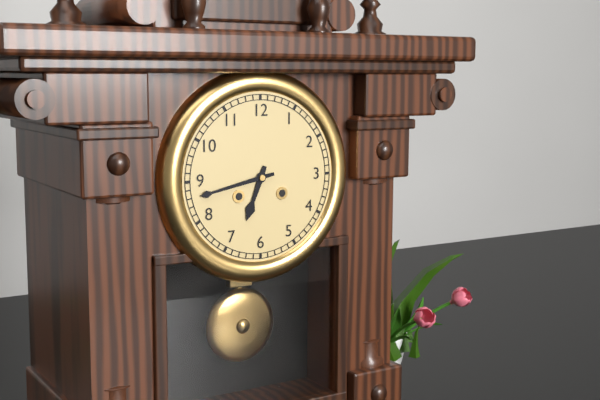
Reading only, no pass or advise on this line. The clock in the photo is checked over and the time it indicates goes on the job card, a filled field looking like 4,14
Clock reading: 6,43
